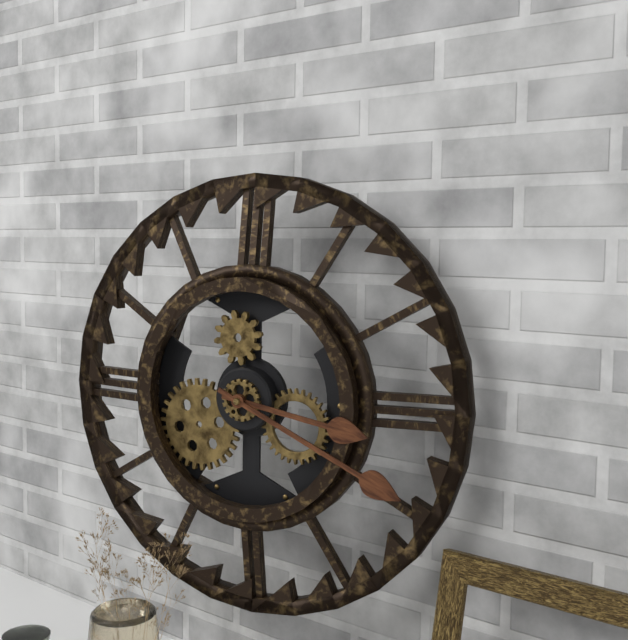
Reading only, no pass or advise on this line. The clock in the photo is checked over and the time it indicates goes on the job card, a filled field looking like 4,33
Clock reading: 3,19
